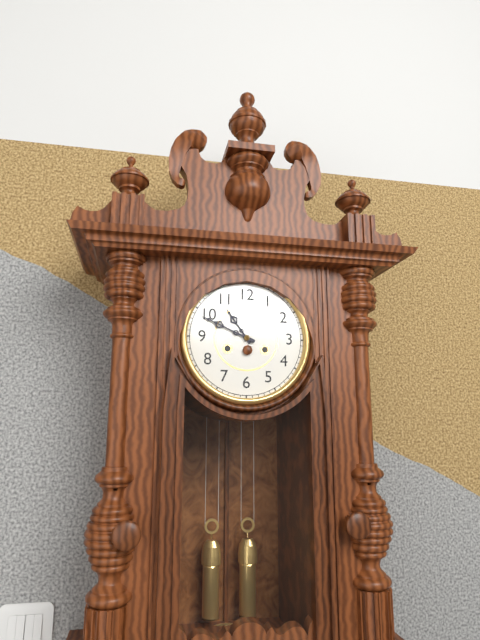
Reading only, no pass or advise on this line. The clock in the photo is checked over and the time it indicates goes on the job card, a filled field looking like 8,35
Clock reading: 10,49
